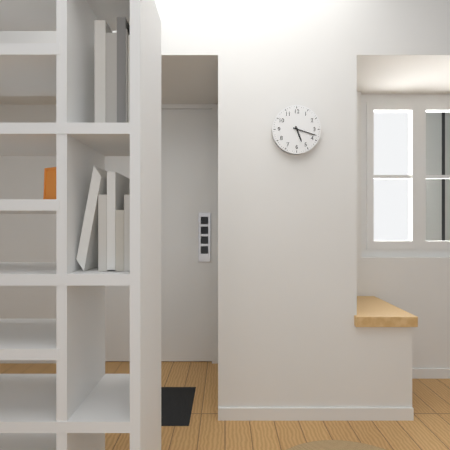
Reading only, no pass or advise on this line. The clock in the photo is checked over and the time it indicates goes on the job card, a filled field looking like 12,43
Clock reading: 5,18
